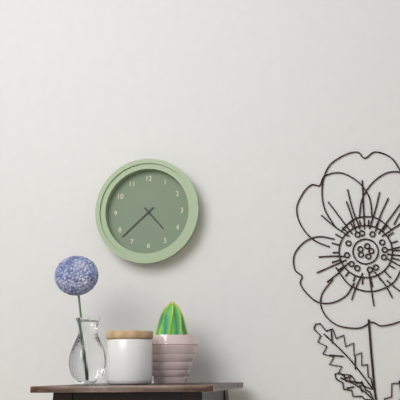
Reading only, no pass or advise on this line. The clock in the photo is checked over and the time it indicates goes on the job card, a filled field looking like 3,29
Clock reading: 4,38
